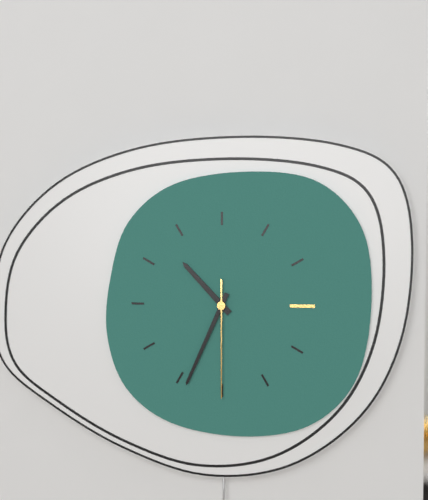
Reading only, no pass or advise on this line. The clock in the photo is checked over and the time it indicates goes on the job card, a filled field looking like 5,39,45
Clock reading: 10,34,30
